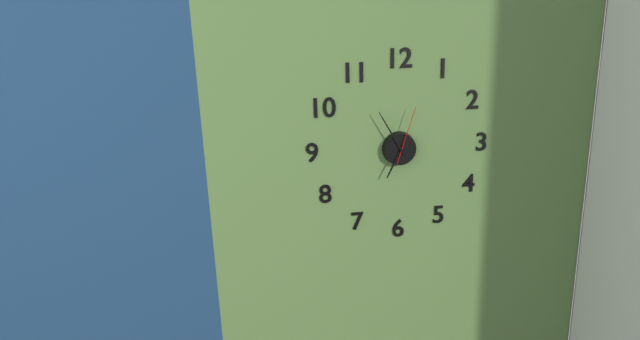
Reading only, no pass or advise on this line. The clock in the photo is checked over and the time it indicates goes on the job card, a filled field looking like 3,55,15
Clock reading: 6,55,03
